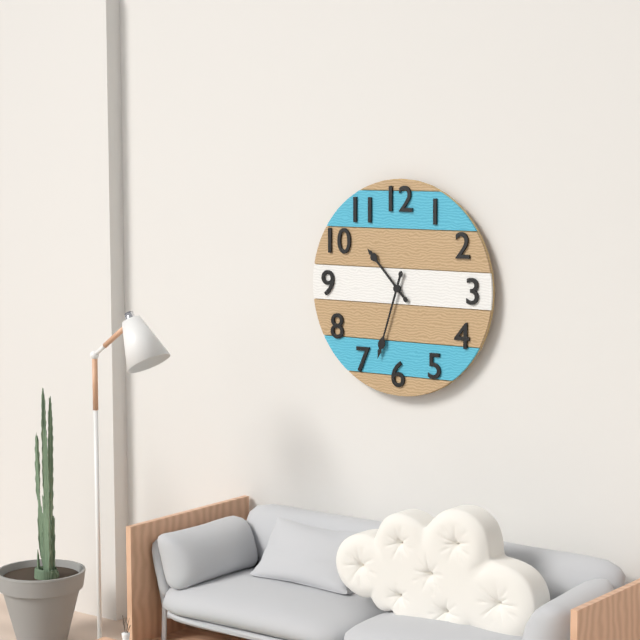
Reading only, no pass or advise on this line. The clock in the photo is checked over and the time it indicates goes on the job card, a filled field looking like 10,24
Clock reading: 10,33
